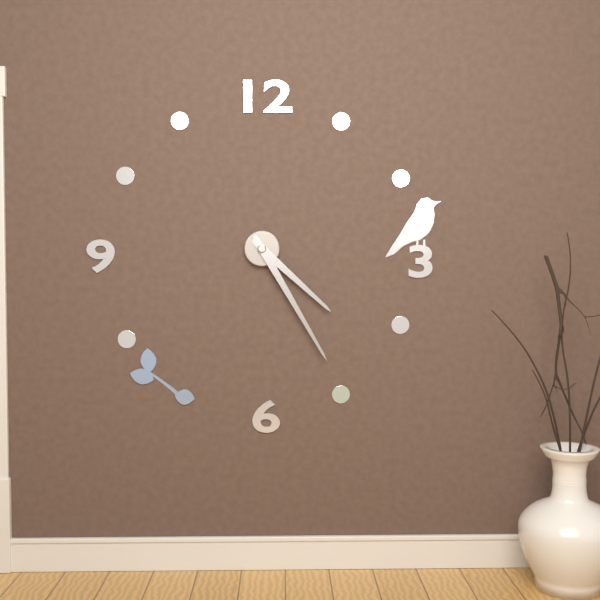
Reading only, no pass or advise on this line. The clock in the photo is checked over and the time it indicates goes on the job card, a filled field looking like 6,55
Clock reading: 4,25
